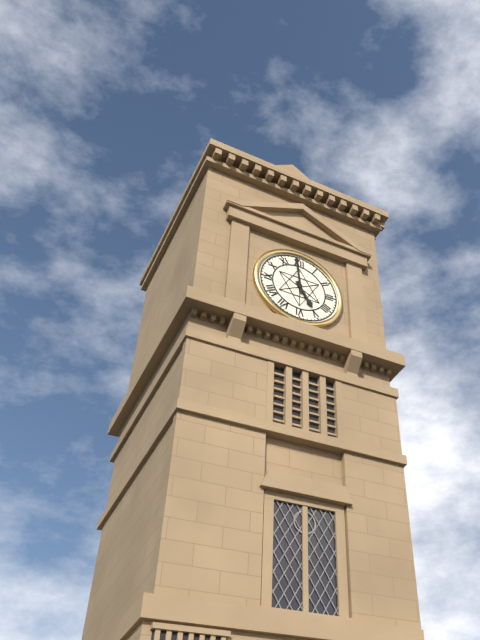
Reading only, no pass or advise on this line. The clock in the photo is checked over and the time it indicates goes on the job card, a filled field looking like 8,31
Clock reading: 4,59
